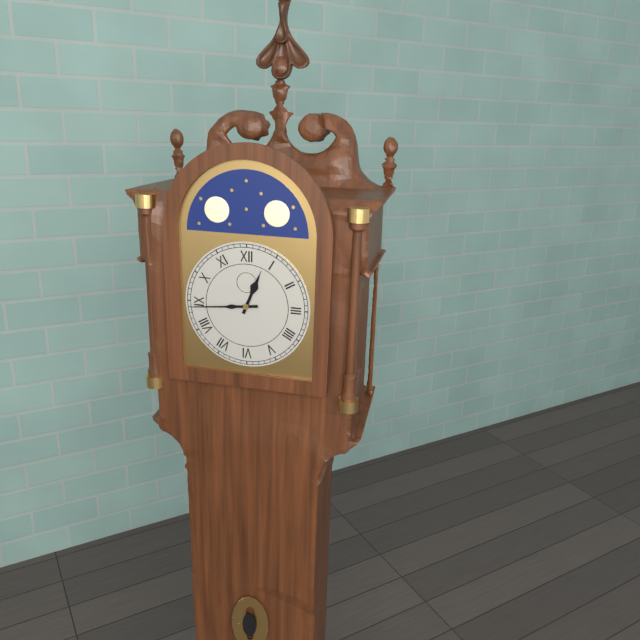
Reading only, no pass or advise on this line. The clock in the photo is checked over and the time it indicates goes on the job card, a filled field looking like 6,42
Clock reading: 12,44
